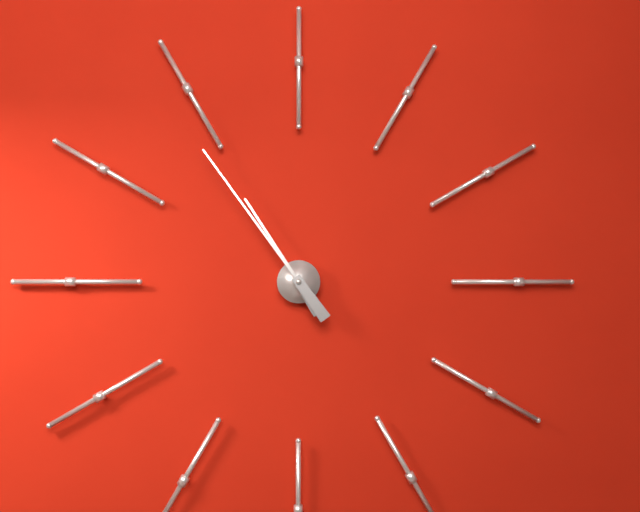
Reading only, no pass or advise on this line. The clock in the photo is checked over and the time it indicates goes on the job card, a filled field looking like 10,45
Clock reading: 10,54
